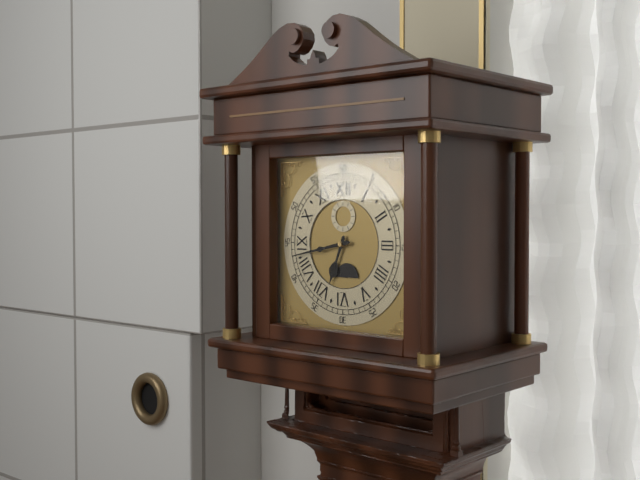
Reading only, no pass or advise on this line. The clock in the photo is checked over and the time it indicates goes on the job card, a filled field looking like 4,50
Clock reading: 6,43
